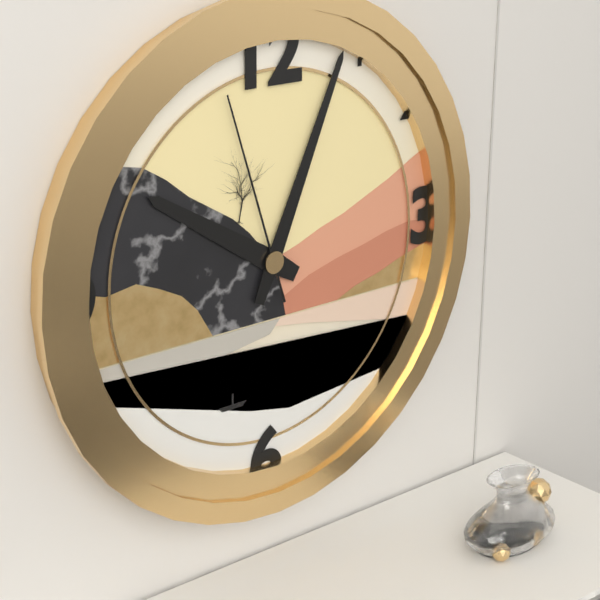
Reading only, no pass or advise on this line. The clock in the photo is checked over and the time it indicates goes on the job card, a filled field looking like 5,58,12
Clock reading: 10,04,57
